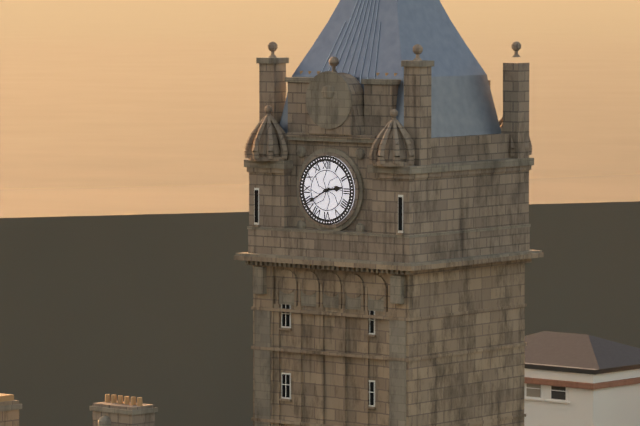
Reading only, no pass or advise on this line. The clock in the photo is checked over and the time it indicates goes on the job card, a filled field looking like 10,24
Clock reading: 2,40
